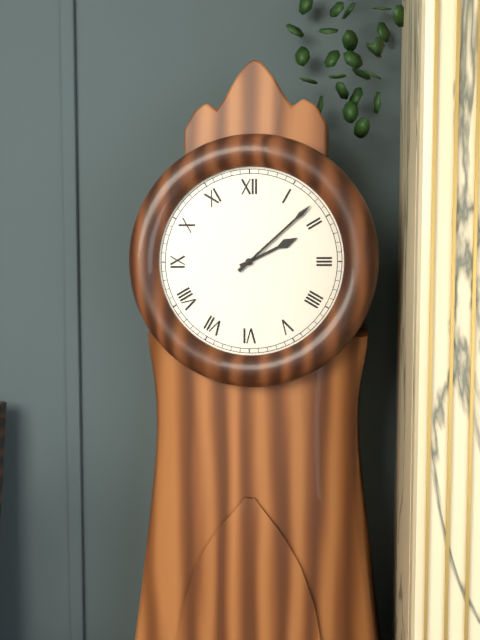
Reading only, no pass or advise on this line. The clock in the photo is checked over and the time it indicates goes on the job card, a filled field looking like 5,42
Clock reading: 2,08
